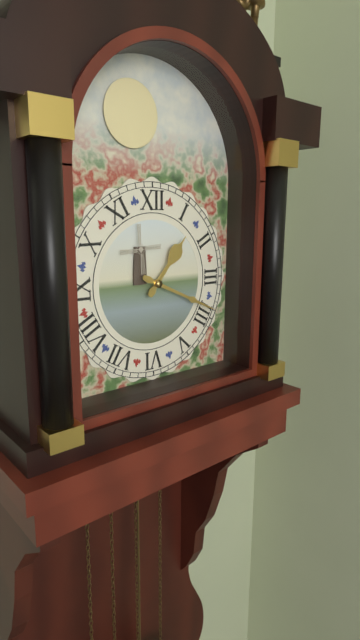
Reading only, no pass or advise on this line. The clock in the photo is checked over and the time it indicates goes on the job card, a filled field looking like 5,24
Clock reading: 1,19
